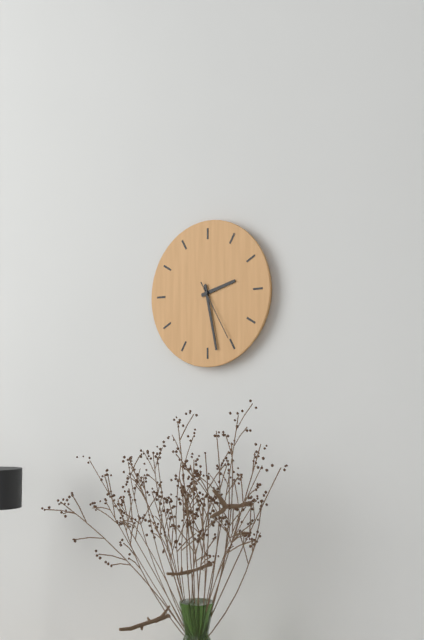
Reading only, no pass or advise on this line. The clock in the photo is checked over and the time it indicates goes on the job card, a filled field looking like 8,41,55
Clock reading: 2,28,25
